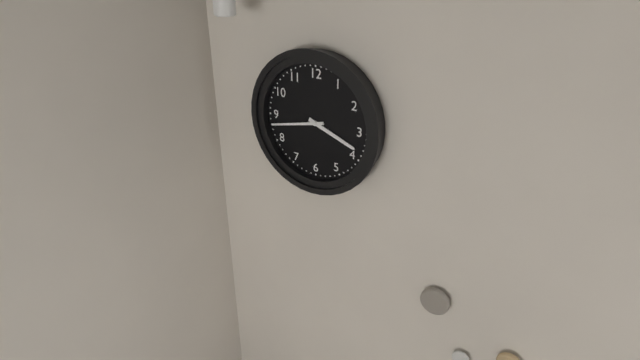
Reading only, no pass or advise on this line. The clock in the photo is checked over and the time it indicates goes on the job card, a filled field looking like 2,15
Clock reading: 3,43
